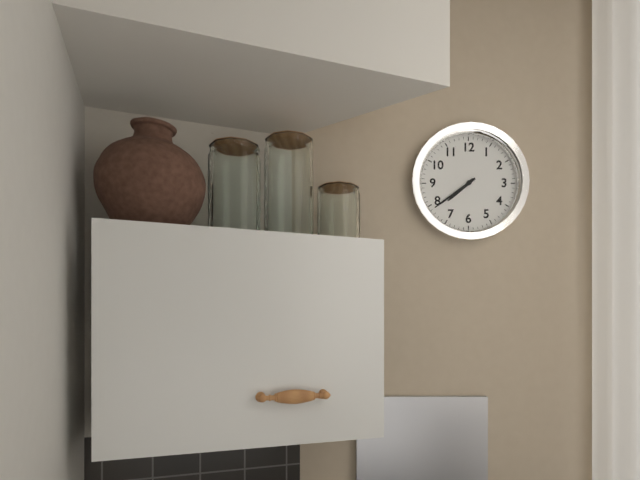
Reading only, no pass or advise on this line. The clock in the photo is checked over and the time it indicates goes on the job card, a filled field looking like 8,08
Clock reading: 7,39
